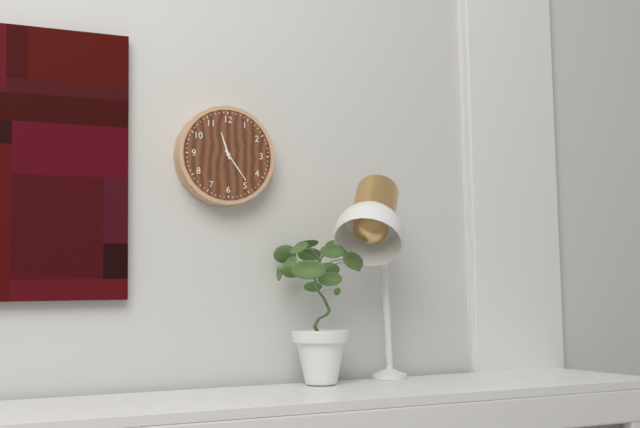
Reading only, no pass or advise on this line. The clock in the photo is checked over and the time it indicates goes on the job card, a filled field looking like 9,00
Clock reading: 11,24
